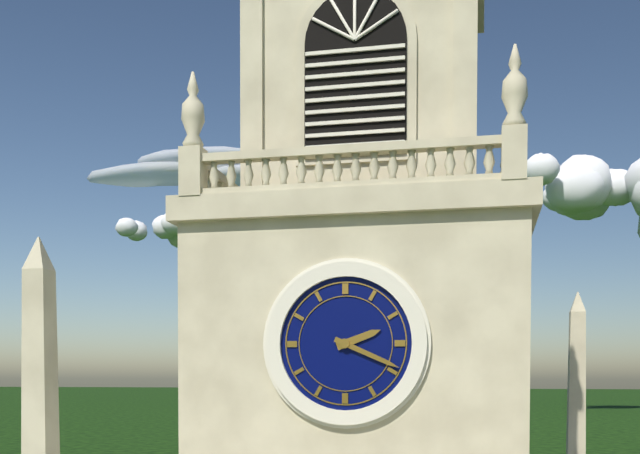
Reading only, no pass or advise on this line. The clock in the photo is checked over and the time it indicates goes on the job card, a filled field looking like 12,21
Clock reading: 2,19
